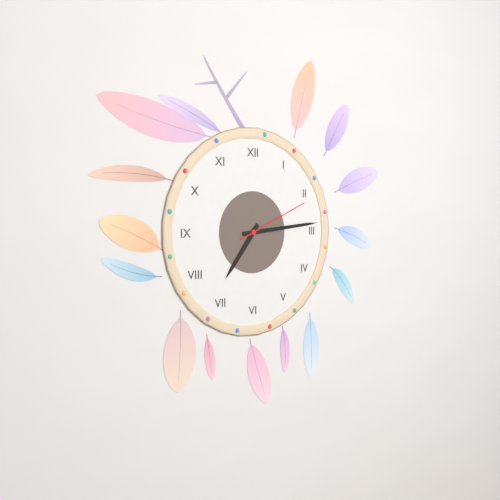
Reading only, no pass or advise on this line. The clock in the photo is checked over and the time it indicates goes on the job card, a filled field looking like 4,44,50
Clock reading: 7,14,11
